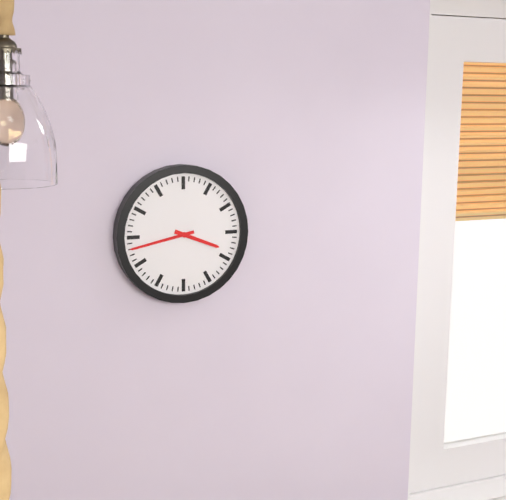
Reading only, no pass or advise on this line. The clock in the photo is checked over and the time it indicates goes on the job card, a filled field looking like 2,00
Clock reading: 3,43
